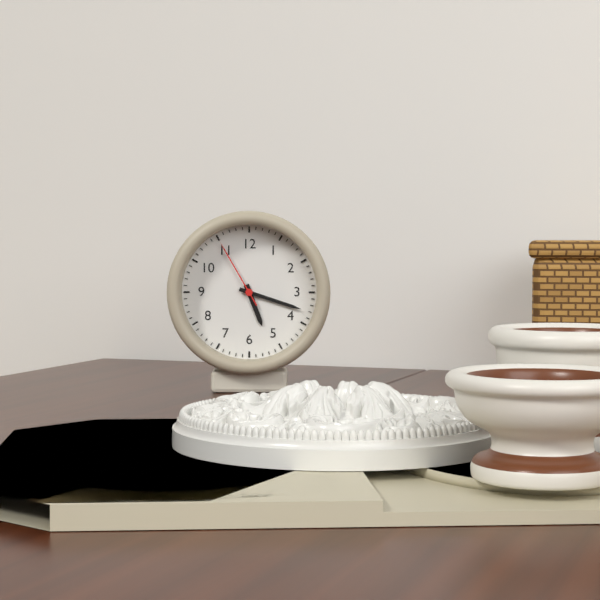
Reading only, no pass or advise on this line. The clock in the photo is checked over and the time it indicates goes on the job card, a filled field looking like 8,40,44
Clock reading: 5,18,55
